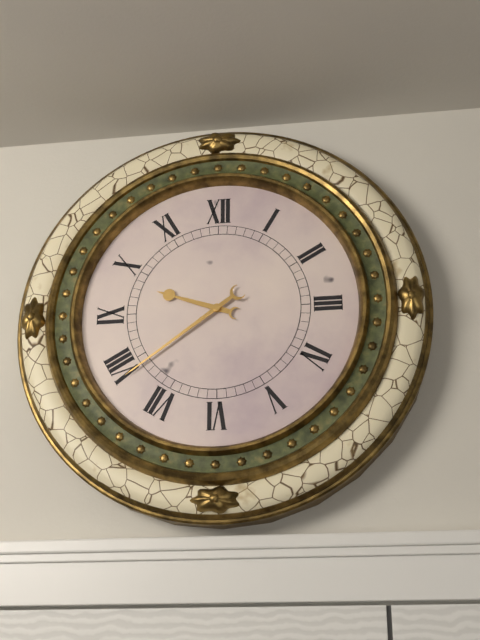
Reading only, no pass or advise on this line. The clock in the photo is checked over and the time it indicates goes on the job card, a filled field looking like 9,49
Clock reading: 9,39
